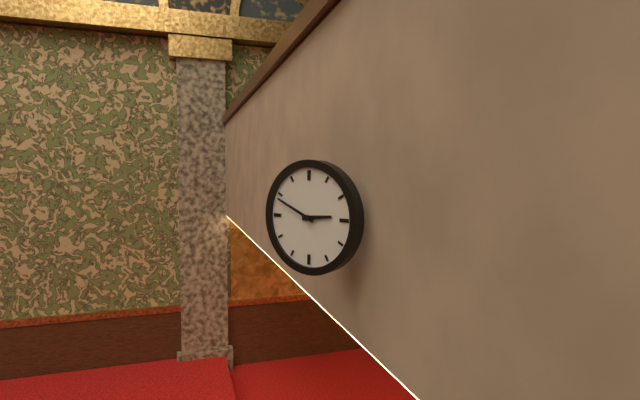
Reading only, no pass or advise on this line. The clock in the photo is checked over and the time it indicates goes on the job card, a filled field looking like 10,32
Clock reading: 2,49
